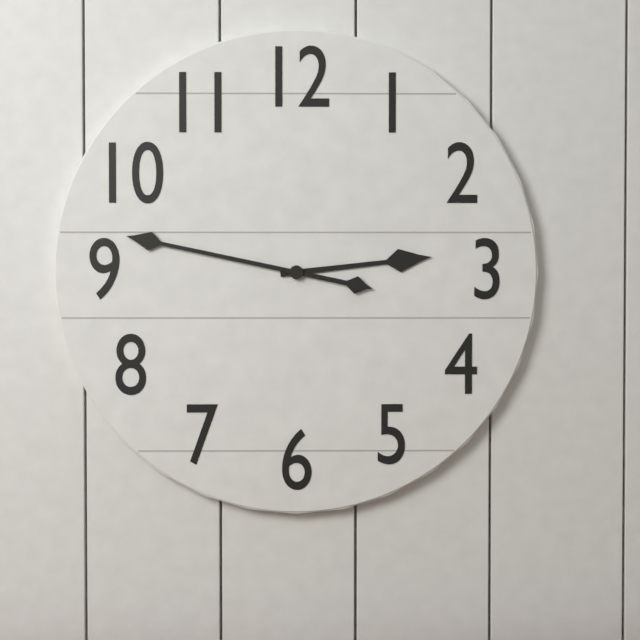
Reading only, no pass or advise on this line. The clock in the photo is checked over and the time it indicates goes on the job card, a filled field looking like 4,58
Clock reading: 2,47
